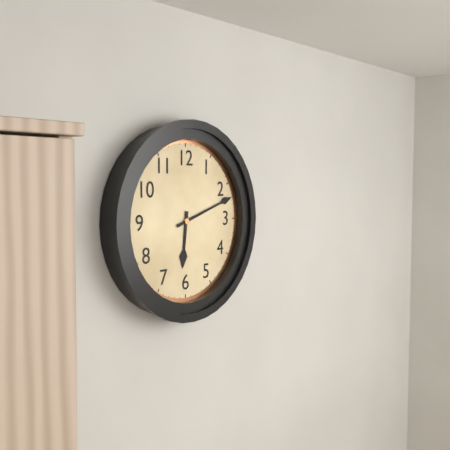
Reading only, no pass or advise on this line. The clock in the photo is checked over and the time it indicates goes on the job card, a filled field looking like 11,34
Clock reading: 6,12
